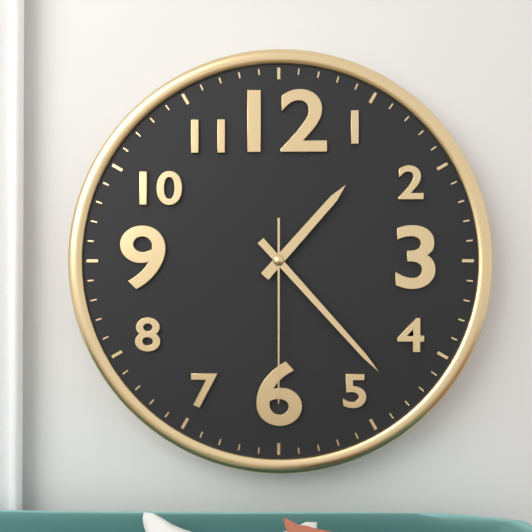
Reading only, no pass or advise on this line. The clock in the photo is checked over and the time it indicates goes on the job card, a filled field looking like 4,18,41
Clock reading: 1,23,30
